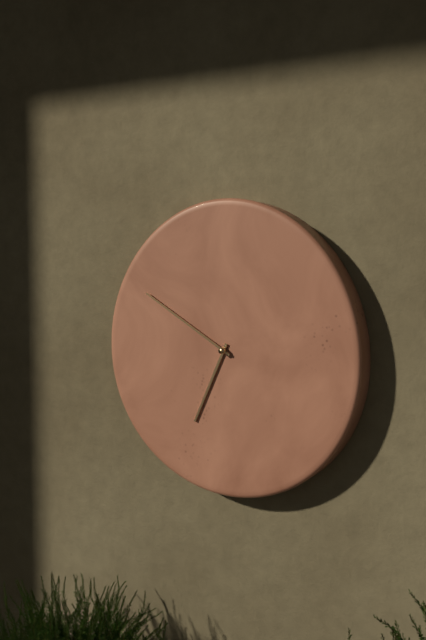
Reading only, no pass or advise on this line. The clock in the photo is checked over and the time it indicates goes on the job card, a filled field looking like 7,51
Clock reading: 6,50
